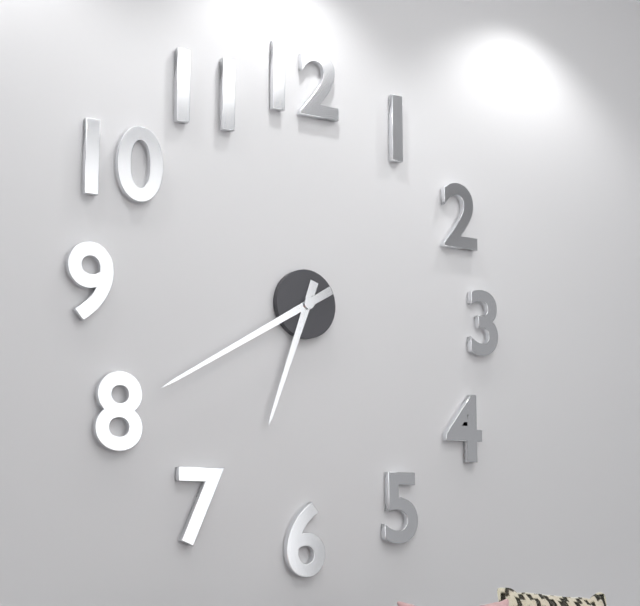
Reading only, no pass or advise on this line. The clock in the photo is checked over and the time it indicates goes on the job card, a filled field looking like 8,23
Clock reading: 6,40
